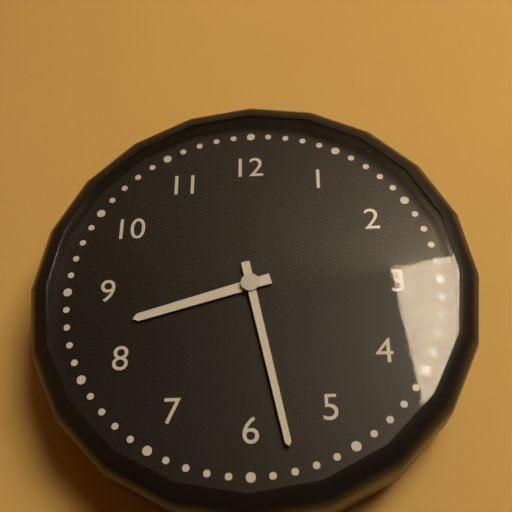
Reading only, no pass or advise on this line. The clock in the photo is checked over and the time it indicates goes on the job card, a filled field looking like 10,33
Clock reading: 8,28
